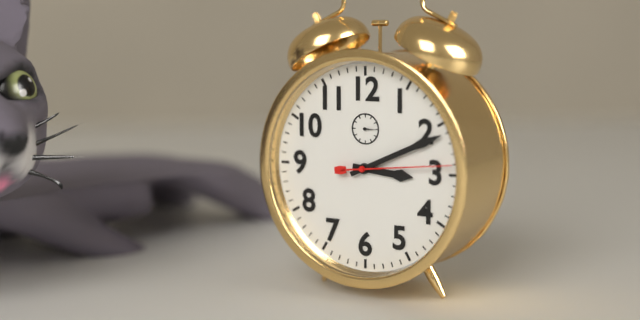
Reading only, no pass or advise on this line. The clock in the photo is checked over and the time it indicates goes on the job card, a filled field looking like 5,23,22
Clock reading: 3,11,14
